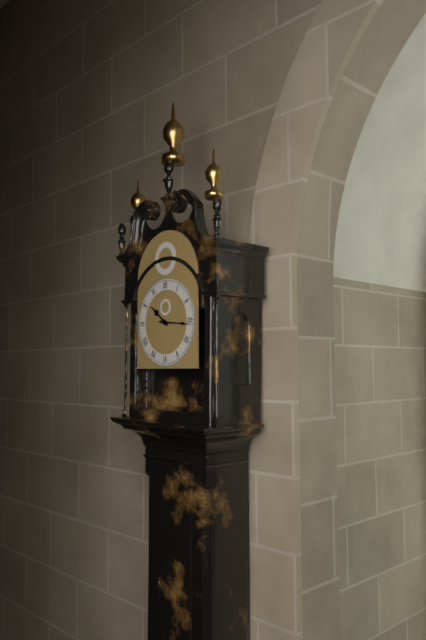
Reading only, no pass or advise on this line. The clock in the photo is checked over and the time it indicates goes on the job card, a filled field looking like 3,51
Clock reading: 10,16
